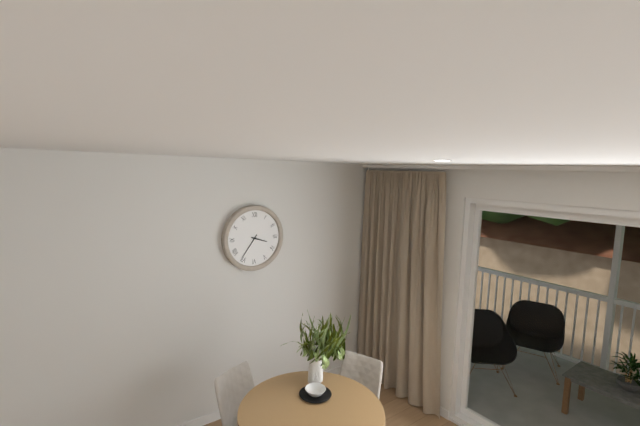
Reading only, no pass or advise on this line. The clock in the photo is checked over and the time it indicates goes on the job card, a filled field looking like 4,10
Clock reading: 3,36
